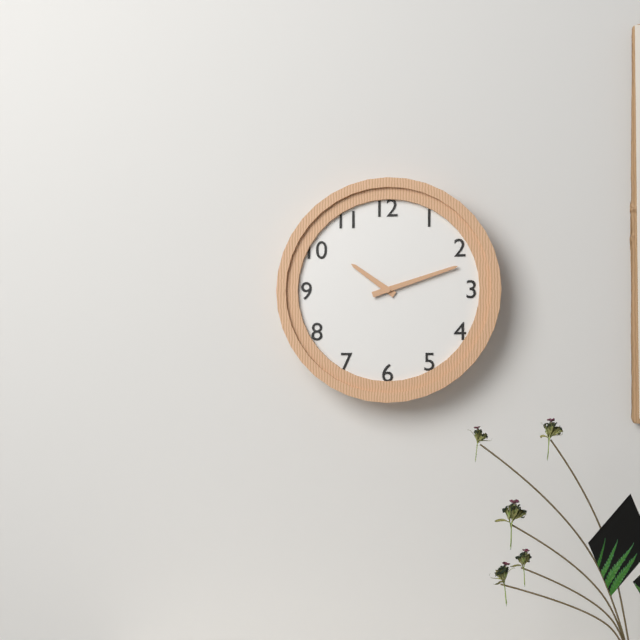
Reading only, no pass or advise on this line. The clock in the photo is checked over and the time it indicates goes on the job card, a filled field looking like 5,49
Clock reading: 10,12
